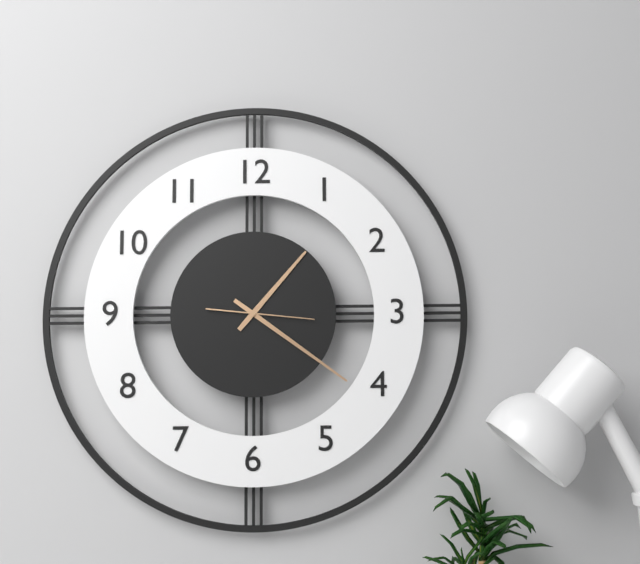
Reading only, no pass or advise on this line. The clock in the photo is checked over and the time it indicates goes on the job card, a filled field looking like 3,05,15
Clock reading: 1,21,16
